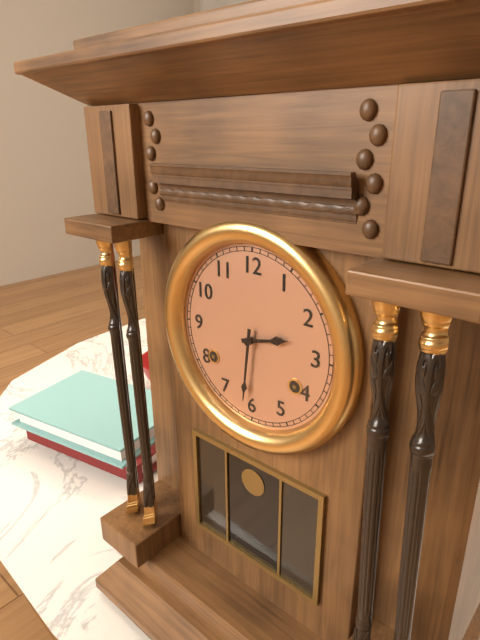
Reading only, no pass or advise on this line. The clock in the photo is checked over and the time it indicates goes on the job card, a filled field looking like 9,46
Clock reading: 2,31
